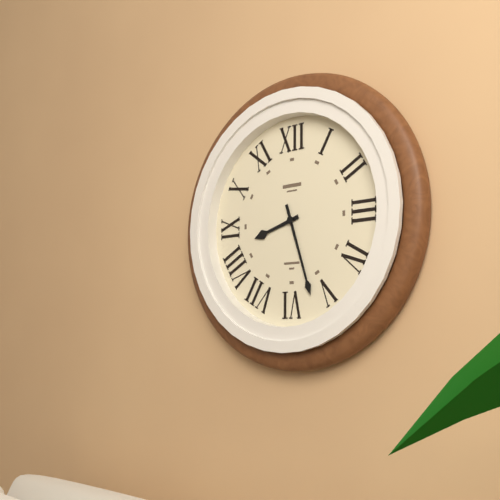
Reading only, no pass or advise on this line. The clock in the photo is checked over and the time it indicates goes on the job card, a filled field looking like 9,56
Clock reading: 8,27
